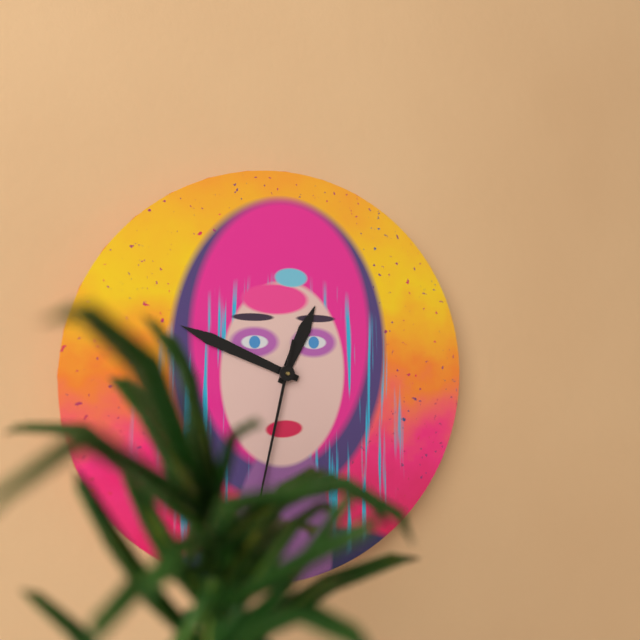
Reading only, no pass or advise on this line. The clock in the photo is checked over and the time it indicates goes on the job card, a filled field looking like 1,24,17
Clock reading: 12,49,32
